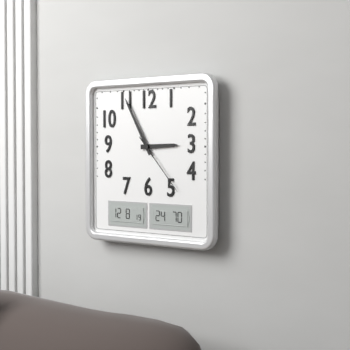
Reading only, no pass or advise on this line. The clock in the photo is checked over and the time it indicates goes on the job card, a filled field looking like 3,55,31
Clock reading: 2,55,23
